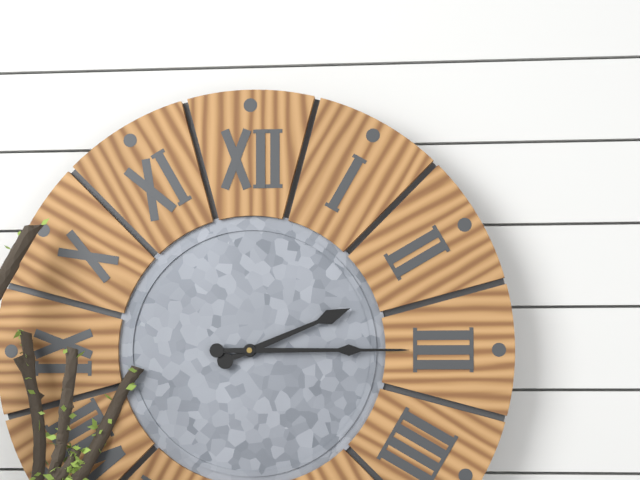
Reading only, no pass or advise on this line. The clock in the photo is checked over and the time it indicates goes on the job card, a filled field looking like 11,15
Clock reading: 2,15
